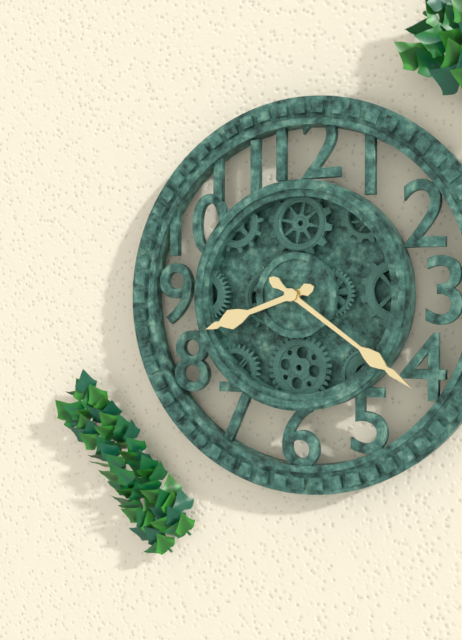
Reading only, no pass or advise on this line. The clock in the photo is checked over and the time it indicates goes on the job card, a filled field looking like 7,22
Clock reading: 8,21
